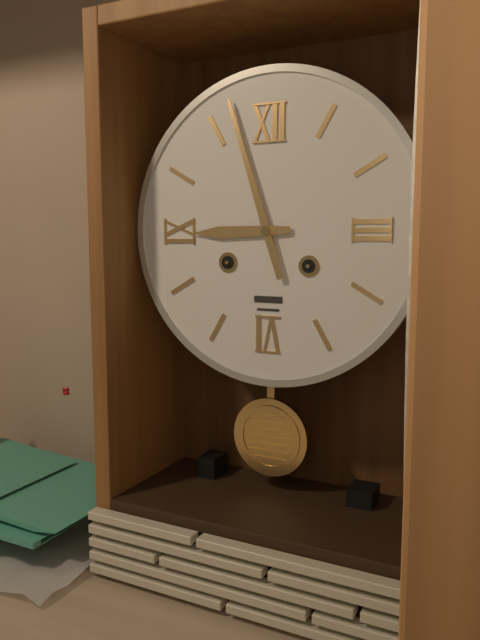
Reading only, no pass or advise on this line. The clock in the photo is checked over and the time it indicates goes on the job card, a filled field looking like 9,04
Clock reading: 8,57
